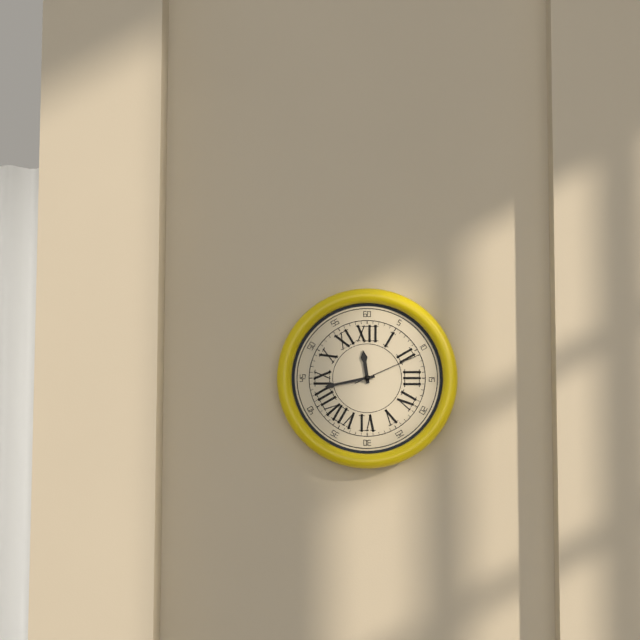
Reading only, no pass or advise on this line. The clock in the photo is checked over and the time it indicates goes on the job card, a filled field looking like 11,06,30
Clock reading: 11,43,11
